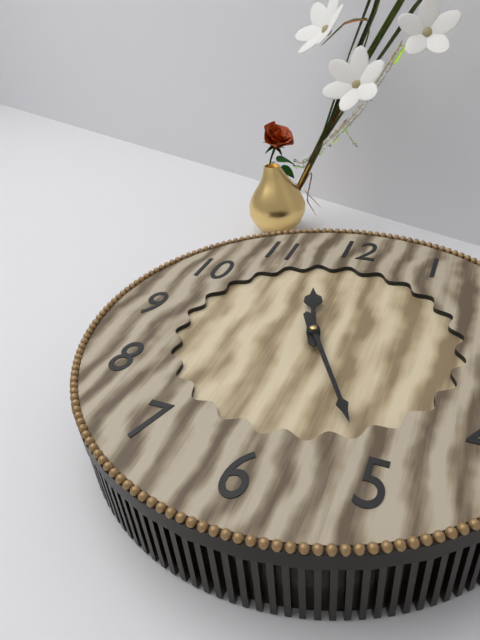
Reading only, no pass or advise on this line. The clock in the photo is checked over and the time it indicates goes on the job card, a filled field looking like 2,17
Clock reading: 11,25
